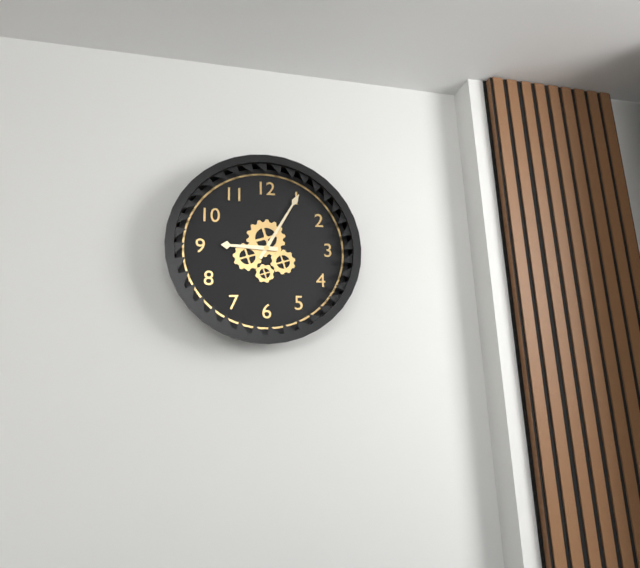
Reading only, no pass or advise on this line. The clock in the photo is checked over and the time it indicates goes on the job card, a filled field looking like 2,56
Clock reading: 9,05
